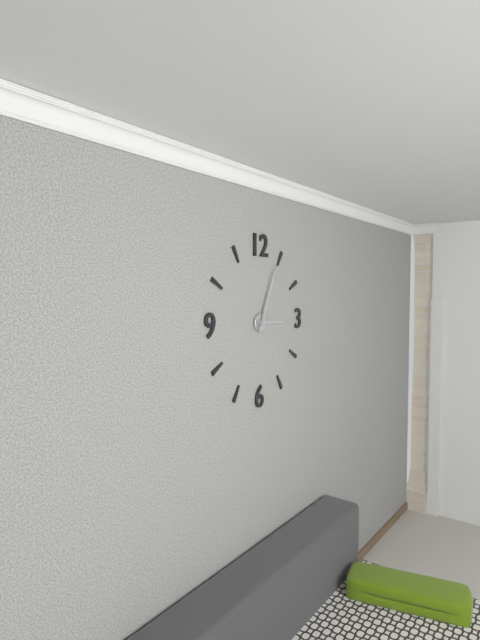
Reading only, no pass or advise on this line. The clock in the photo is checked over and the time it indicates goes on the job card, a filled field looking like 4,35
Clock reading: 3,04
